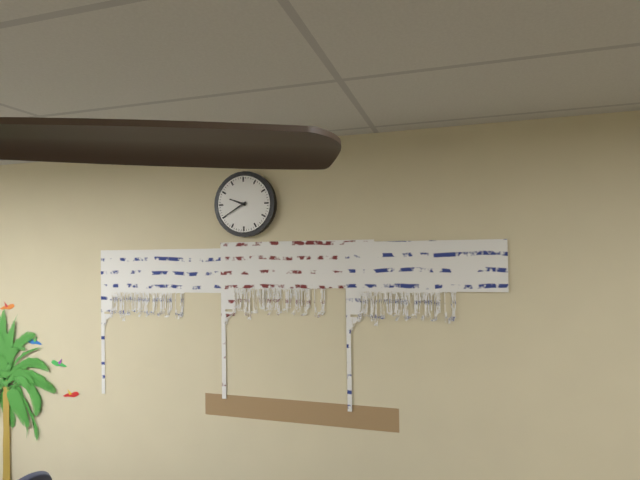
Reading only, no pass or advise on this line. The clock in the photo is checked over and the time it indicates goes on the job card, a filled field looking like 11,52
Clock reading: 9,40
